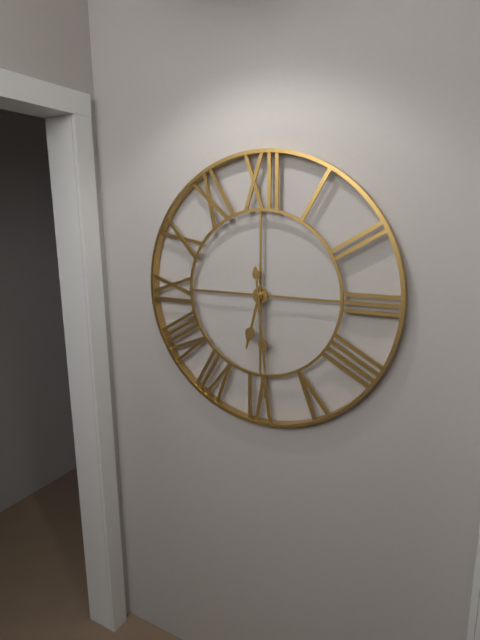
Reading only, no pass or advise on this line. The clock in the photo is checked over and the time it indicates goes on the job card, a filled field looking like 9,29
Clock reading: 6,29
